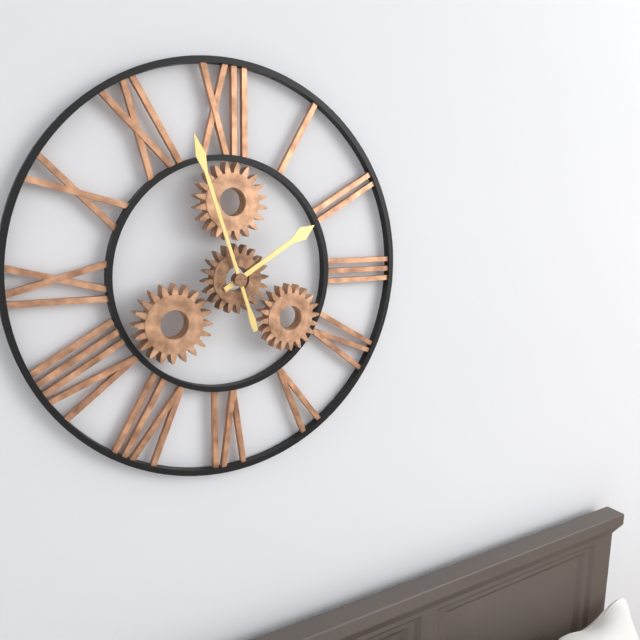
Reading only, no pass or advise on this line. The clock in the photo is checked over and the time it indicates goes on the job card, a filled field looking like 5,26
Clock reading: 1,57
